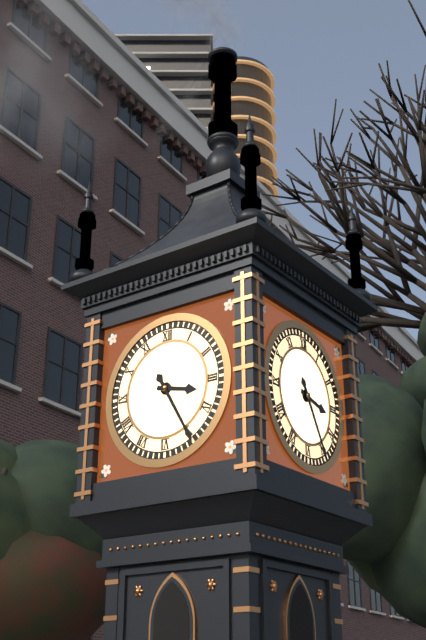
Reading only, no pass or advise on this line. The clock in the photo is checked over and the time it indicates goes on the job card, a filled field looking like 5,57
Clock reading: 3,25
